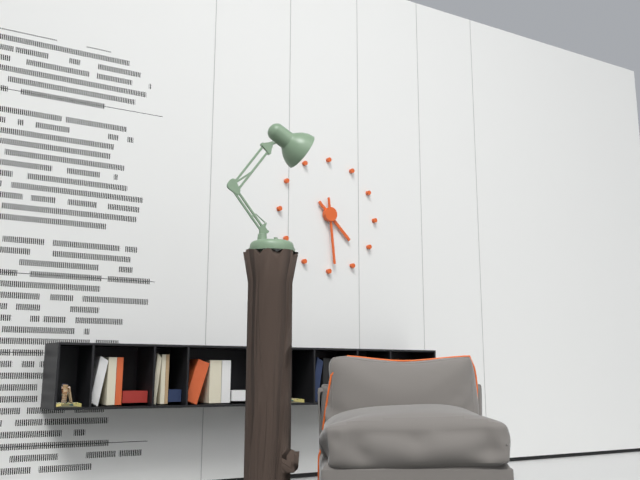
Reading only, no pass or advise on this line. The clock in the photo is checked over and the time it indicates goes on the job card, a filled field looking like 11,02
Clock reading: 4,29
